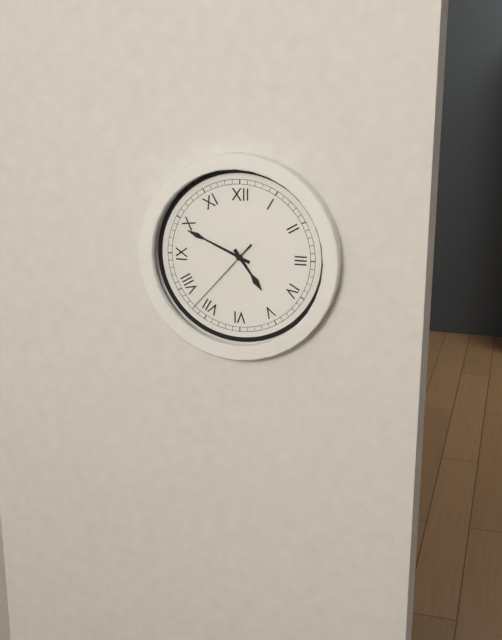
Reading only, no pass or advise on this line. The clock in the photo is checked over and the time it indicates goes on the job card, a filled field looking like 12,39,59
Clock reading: 4,49,37
